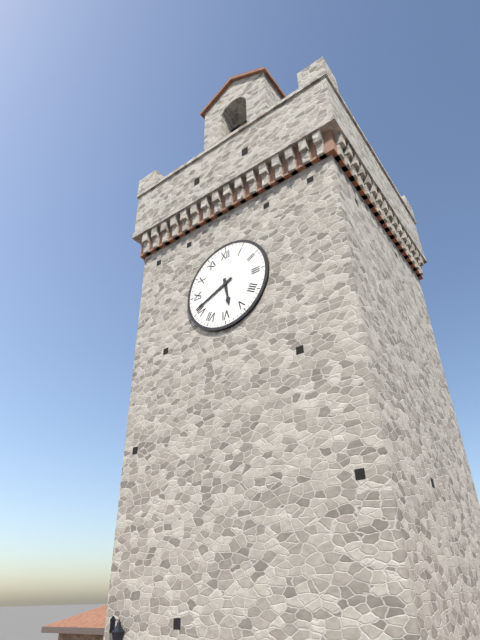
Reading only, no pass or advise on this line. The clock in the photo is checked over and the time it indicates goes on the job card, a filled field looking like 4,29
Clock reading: 5,41
